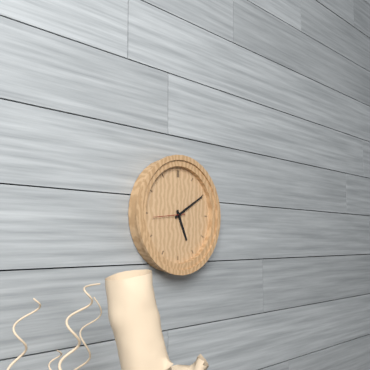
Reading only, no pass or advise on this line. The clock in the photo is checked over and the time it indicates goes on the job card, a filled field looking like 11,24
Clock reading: 5,10
